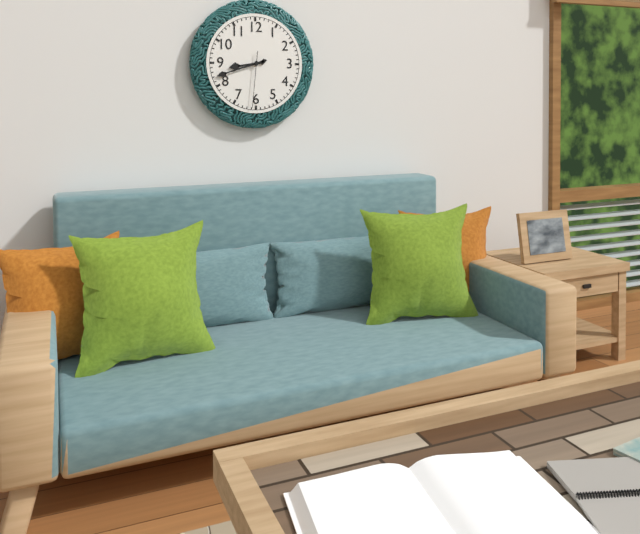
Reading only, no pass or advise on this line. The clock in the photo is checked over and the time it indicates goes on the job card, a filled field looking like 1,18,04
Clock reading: 8,42,31
